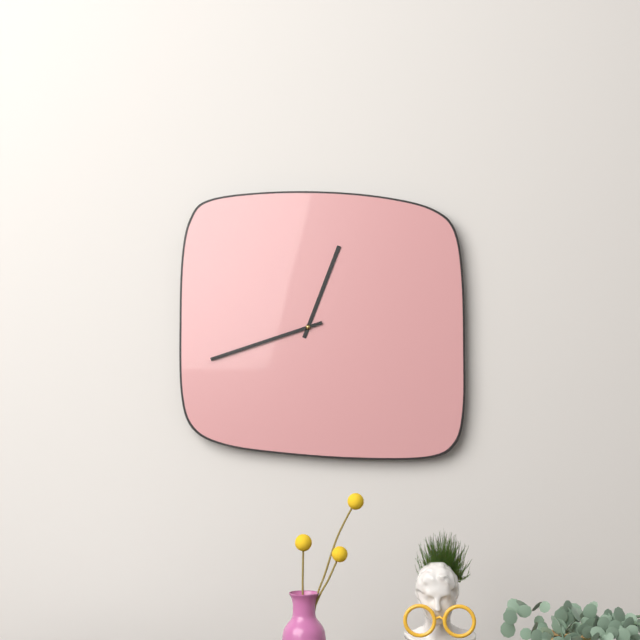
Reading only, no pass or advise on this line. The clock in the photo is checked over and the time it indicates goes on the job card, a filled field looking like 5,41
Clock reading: 12,42
